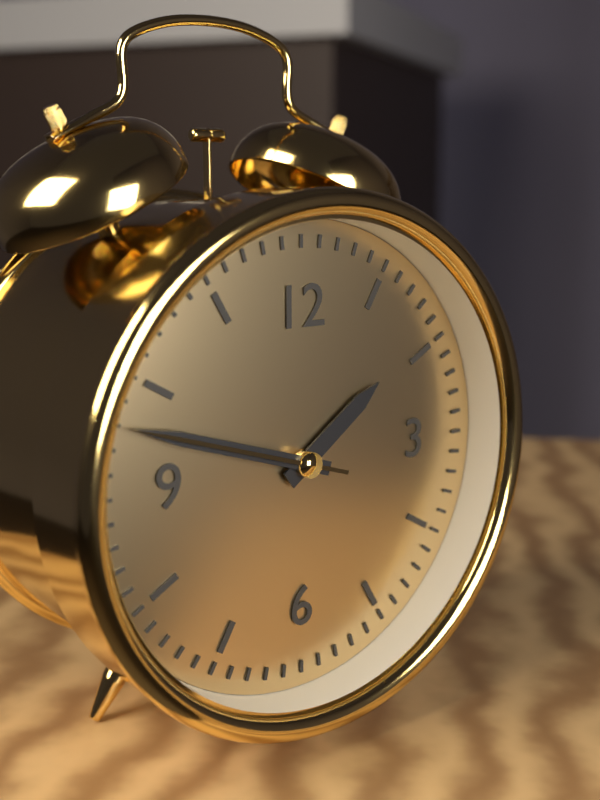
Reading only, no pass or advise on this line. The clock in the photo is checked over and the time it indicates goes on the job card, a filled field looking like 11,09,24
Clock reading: 1,48,48
